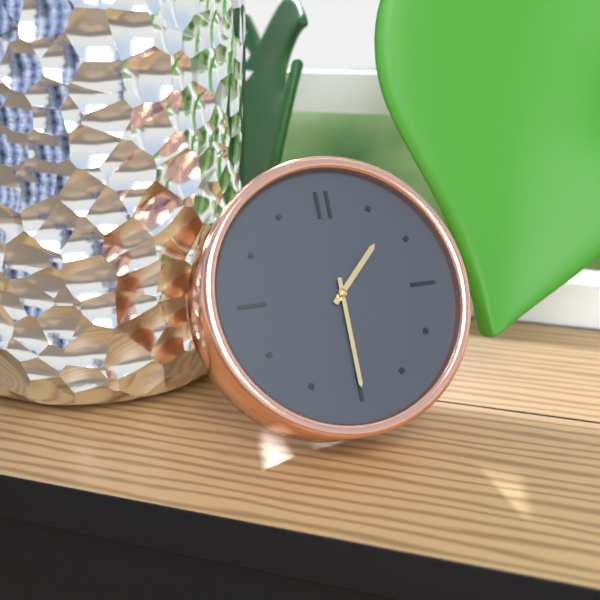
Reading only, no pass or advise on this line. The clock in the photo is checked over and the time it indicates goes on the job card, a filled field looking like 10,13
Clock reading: 1,30
